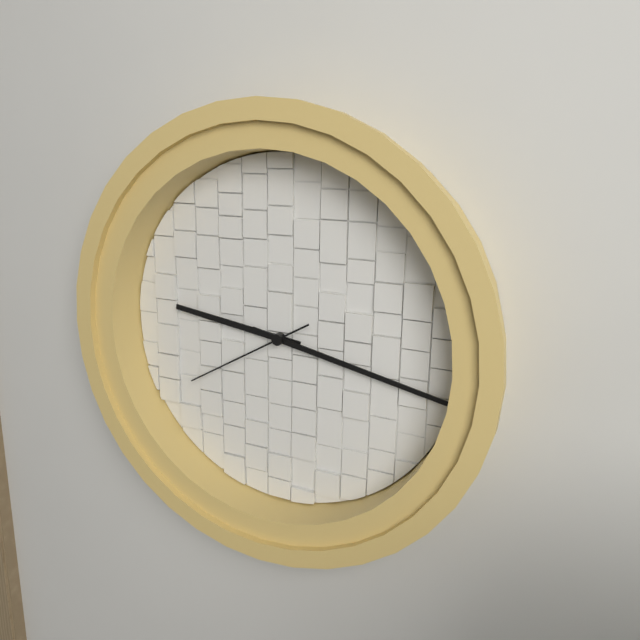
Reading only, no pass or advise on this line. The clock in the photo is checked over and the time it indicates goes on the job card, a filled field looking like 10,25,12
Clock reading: 9,17,40
